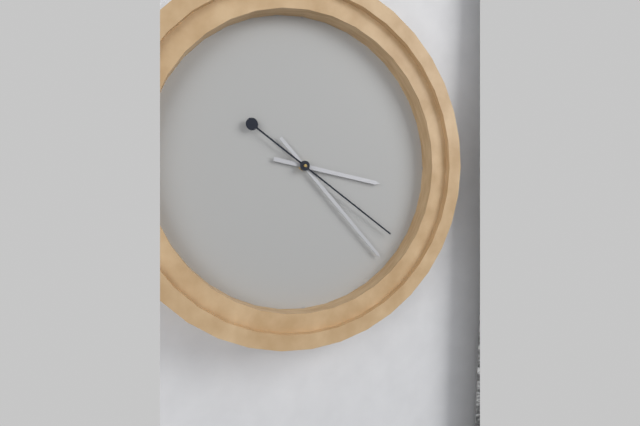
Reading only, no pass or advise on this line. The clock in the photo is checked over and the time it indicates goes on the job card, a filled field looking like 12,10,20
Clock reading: 3,23,21
